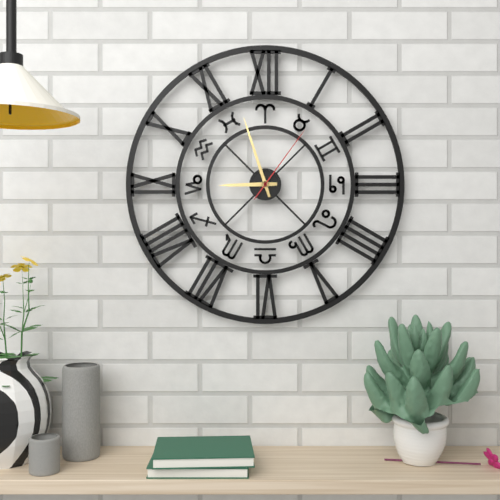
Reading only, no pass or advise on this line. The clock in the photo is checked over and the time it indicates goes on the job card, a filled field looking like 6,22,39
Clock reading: 8,57,06
